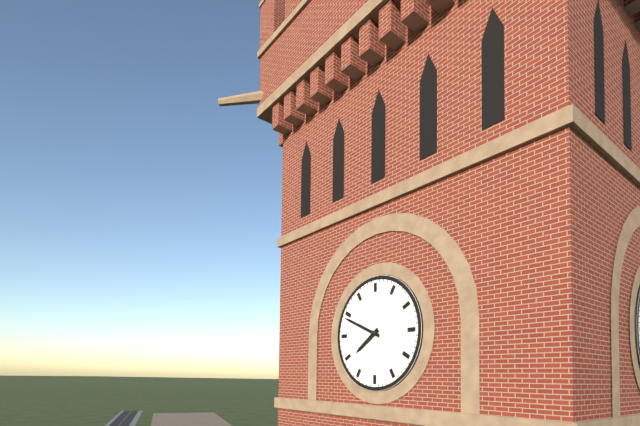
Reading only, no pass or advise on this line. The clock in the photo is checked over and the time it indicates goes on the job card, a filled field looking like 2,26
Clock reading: 7,49
